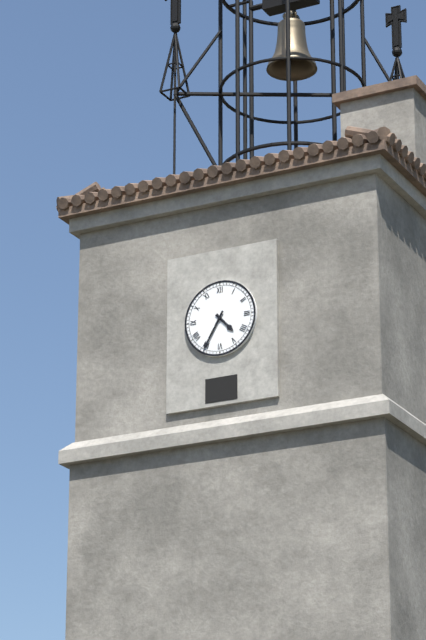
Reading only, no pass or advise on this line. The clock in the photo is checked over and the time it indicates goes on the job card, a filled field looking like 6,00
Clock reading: 4,35
